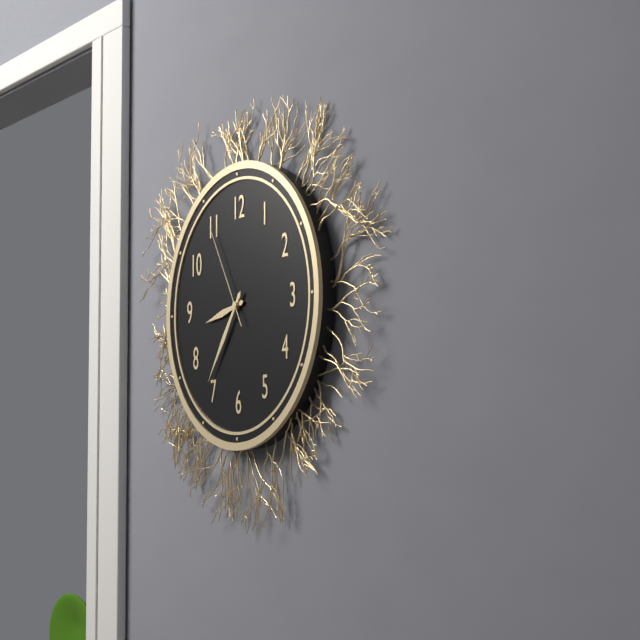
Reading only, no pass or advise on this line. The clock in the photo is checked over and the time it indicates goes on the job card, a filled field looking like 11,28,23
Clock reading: 8,36,55
